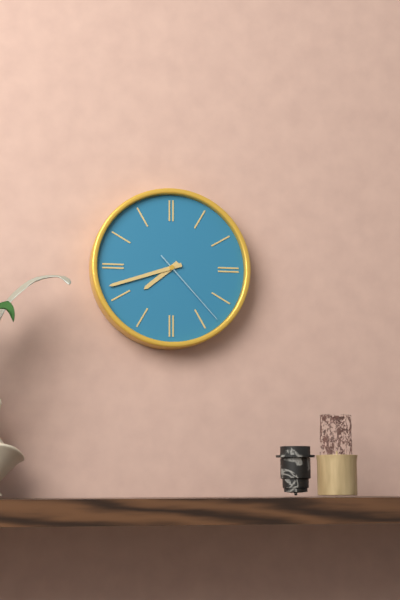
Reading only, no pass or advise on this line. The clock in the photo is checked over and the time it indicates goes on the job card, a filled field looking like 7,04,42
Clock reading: 7,42,23
